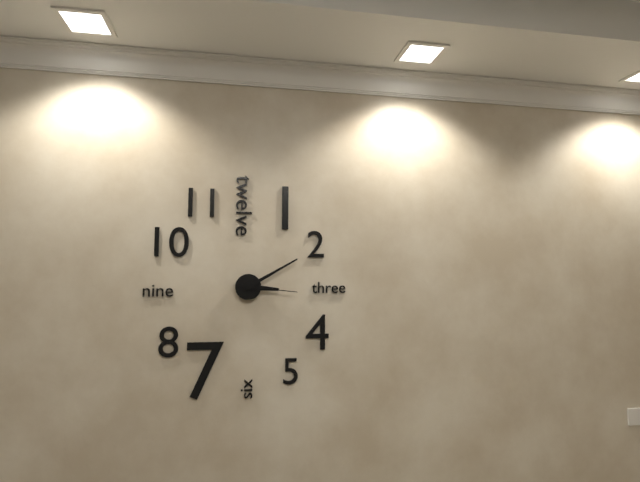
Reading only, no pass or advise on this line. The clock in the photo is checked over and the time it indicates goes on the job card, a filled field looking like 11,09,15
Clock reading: 3,10,16
